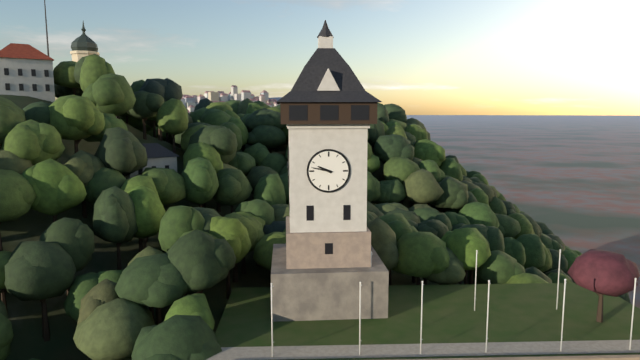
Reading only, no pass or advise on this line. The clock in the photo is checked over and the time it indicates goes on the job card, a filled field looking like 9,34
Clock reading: 9,47
